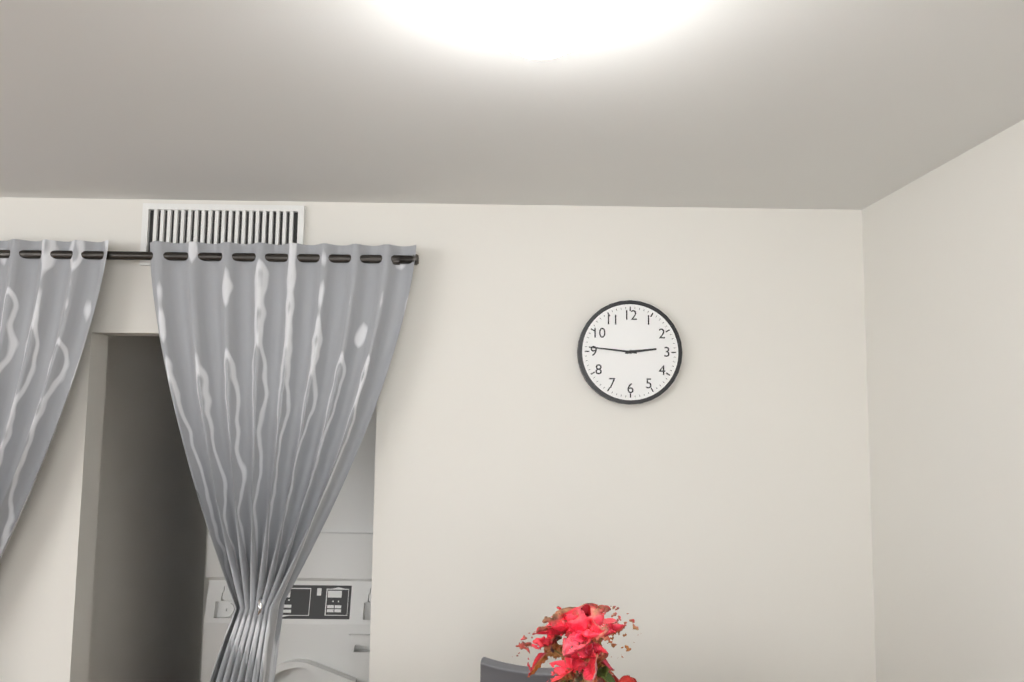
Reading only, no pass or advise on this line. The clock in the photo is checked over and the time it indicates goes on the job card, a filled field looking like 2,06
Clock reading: 2,46
